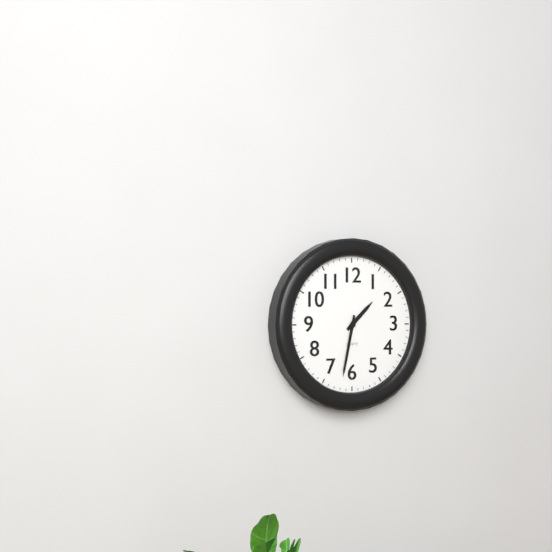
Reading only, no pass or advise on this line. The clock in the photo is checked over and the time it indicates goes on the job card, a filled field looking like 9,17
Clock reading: 1,32
